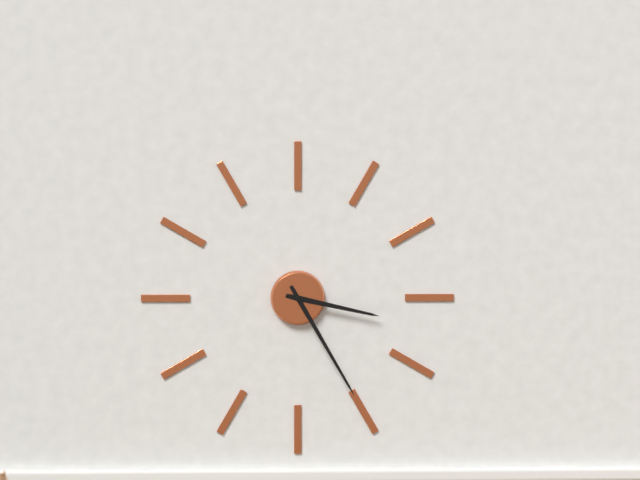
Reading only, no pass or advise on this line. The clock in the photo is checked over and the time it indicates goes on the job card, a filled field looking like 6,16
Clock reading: 3,25
